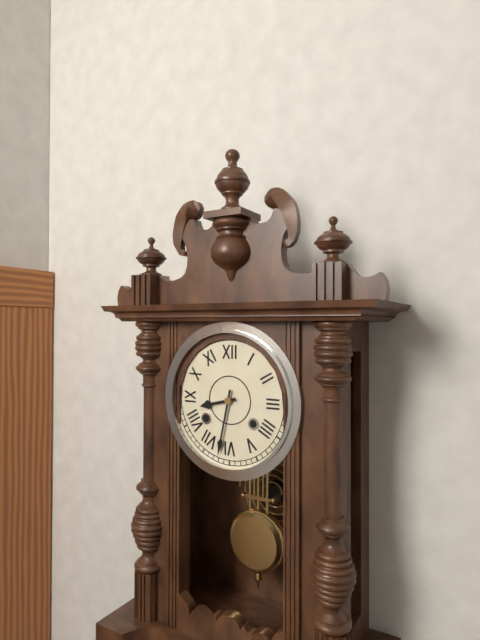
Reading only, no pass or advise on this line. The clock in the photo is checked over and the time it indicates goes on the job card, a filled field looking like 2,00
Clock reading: 8,32
